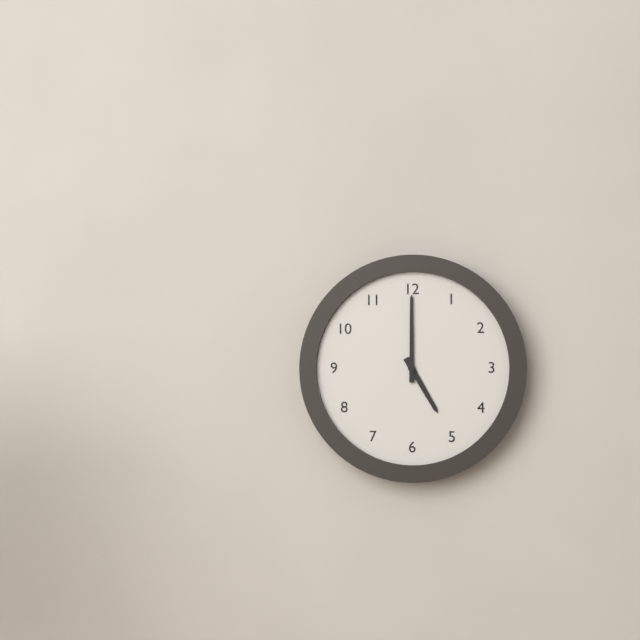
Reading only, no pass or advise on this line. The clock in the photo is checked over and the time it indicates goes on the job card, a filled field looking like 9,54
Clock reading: 5,00
